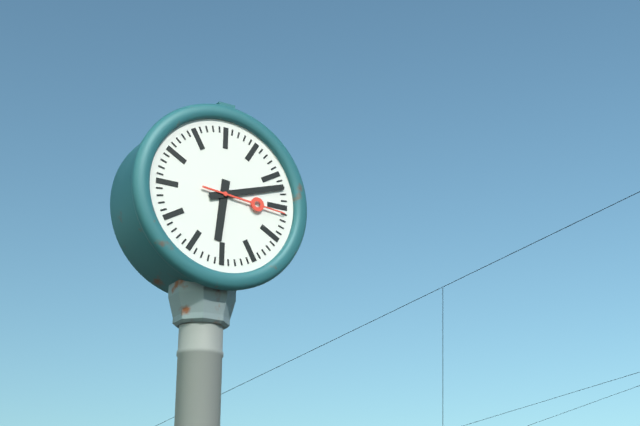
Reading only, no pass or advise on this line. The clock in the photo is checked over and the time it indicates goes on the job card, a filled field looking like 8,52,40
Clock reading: 6,12,16
